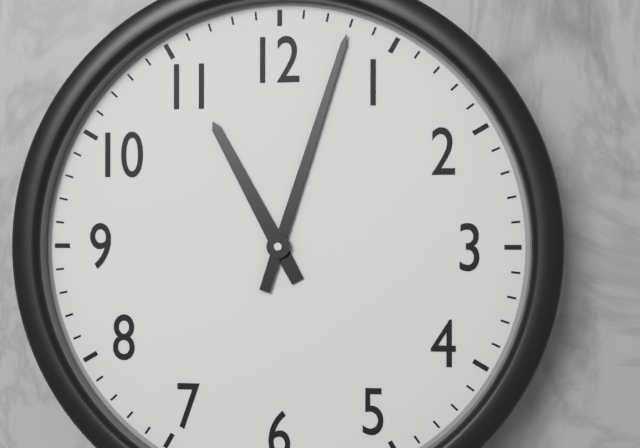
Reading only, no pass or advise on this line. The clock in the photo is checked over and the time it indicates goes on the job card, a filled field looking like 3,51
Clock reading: 11,03
